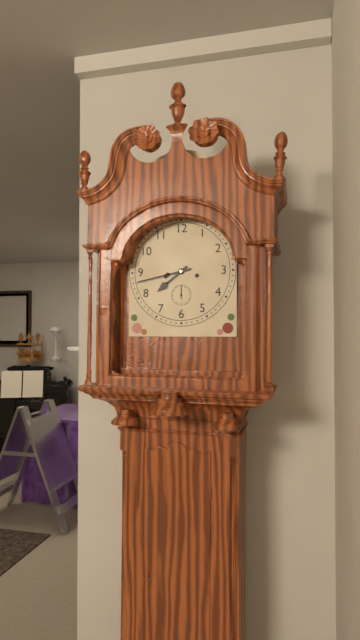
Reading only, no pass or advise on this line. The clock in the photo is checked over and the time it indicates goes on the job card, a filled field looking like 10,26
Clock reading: 7,43
